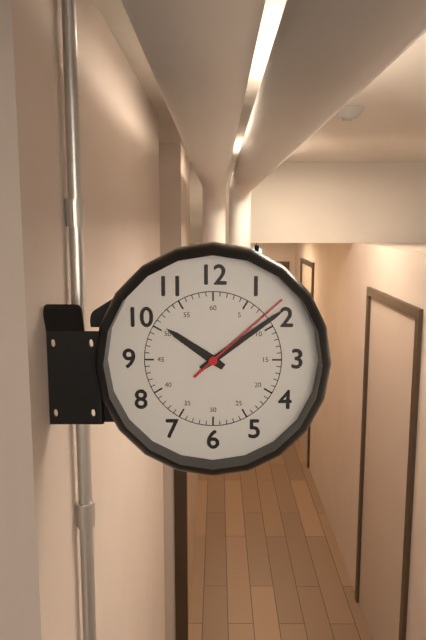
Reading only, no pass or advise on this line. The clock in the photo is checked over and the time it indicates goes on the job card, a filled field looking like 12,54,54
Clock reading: 10,09,08
